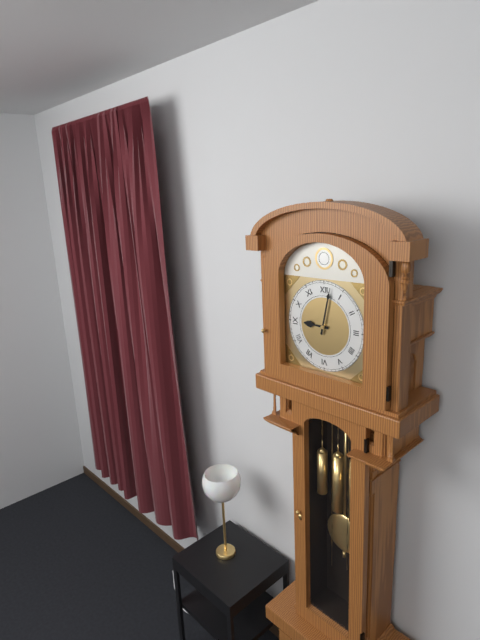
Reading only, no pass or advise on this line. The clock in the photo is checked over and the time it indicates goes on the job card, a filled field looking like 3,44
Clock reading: 9,02
